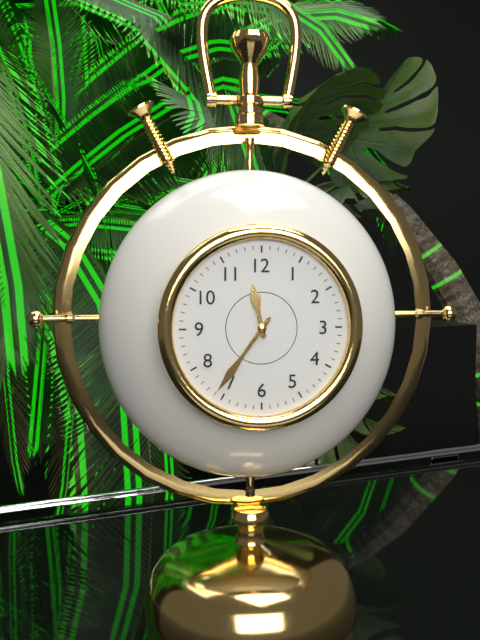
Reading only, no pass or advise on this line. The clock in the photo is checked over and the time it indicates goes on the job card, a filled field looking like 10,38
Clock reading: 11,36
